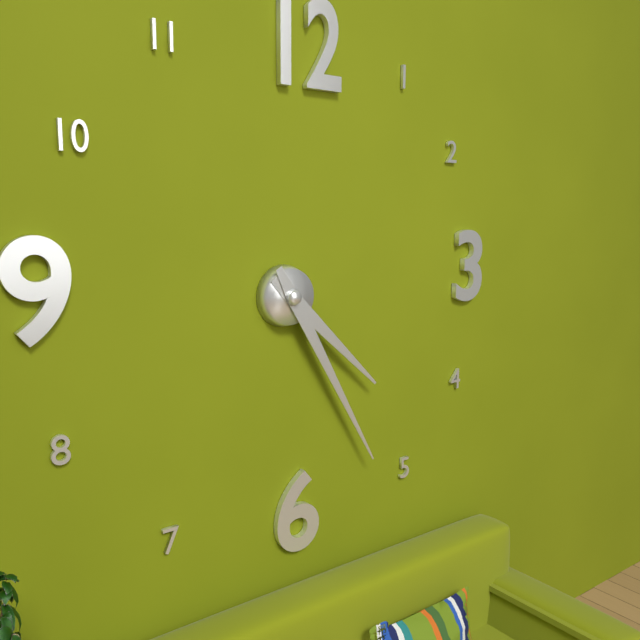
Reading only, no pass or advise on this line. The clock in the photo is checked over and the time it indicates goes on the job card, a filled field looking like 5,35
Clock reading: 4,25
